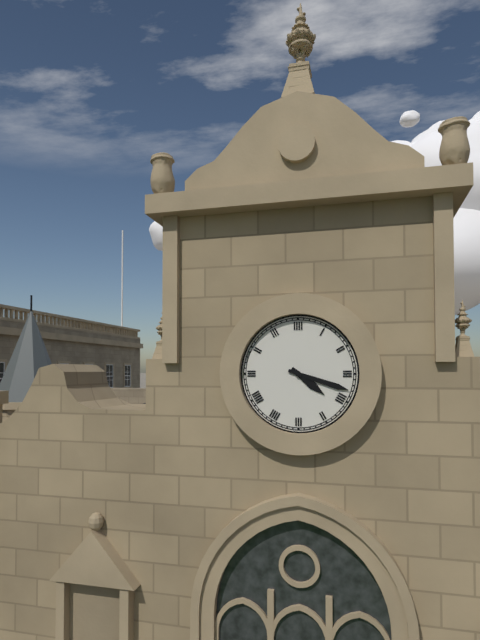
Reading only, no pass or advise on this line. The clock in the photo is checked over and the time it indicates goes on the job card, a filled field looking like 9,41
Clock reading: 4,18
